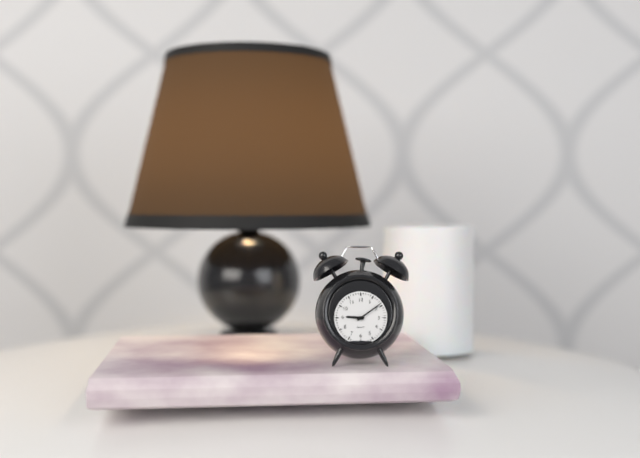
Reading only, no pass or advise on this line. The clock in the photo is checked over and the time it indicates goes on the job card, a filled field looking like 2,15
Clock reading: 9,09
